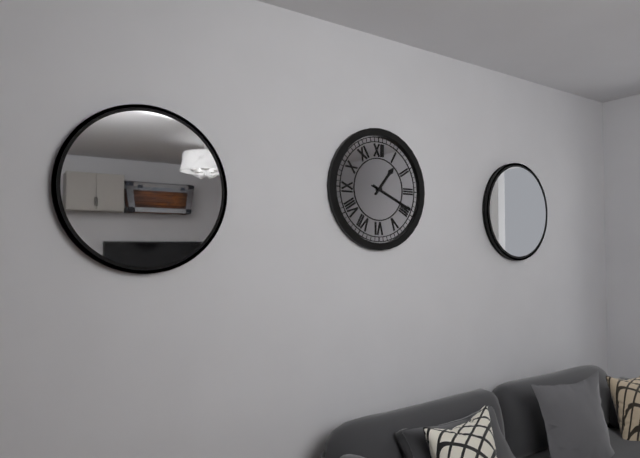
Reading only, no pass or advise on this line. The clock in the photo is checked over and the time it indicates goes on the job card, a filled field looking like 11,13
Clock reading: 1,19
